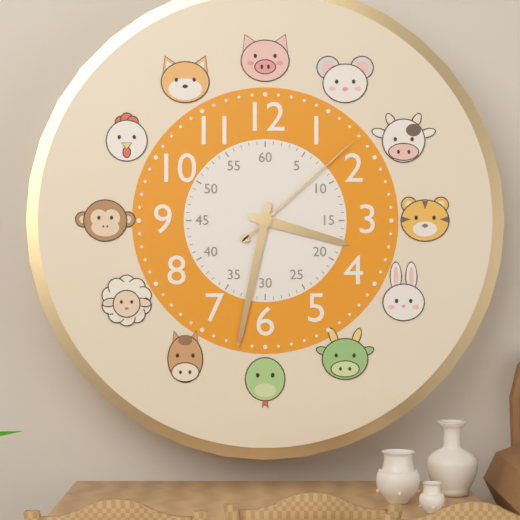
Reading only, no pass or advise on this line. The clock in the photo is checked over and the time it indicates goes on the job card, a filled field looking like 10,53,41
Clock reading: 3,32,08
